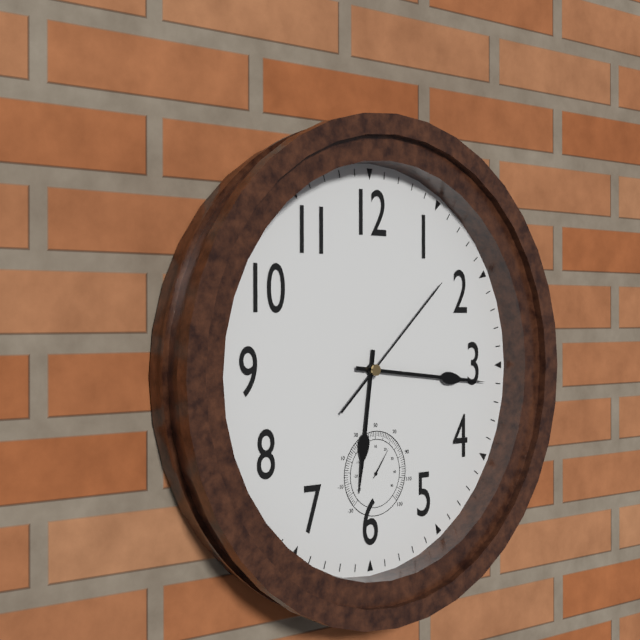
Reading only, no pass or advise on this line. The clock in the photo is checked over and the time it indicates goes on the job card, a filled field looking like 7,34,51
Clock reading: 6,16,08
